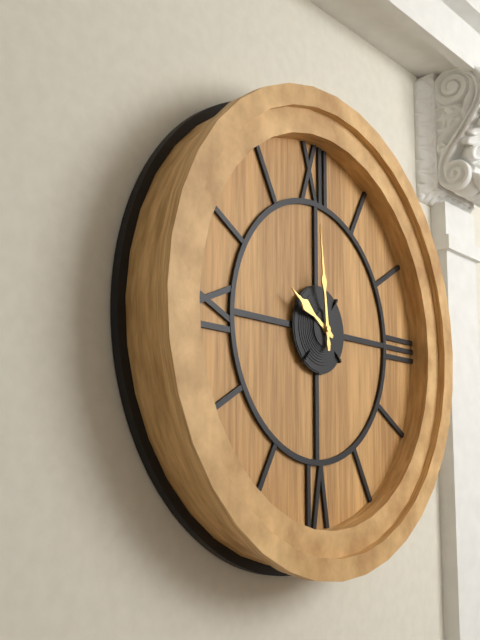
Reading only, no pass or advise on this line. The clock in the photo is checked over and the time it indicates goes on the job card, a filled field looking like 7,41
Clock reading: 9,59
